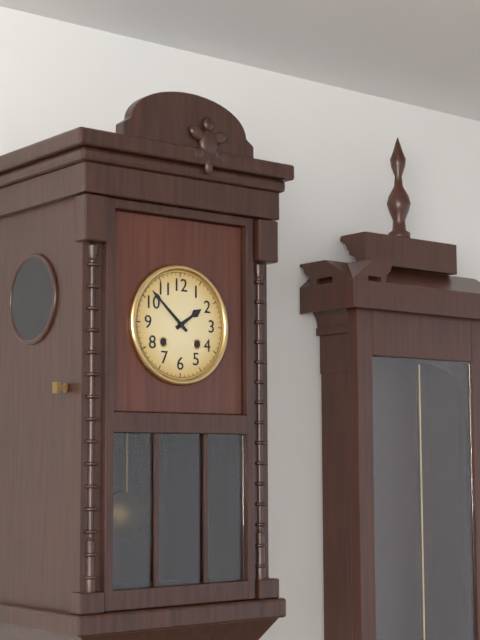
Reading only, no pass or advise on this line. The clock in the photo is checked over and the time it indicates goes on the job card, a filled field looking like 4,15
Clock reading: 1,52
